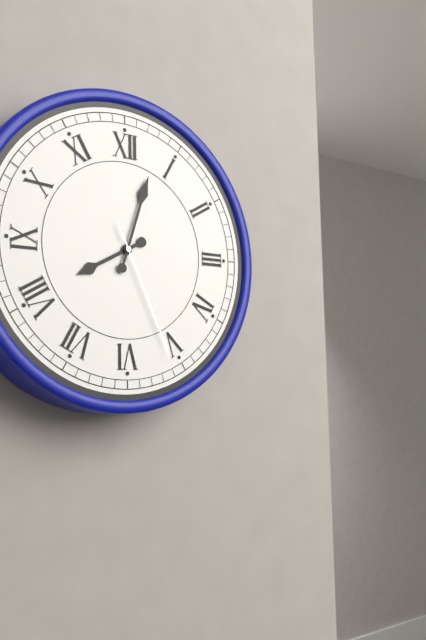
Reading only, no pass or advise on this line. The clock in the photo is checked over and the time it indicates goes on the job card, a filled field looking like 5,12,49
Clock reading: 8,03,26
